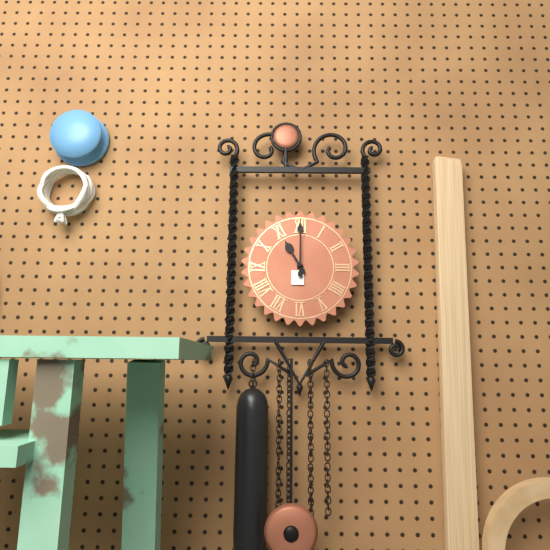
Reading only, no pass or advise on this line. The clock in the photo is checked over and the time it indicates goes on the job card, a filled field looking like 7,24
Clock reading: 11,00
